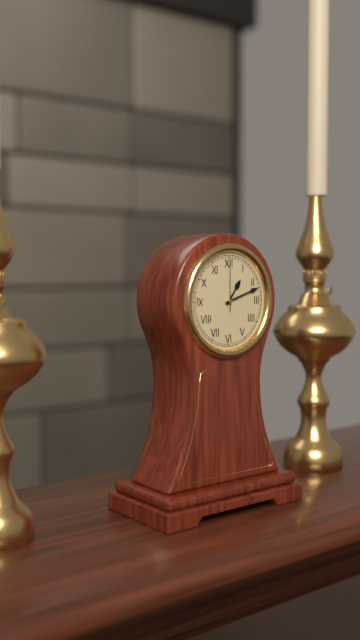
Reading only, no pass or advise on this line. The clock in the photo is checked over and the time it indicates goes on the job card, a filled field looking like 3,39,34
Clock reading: 1,12,00
